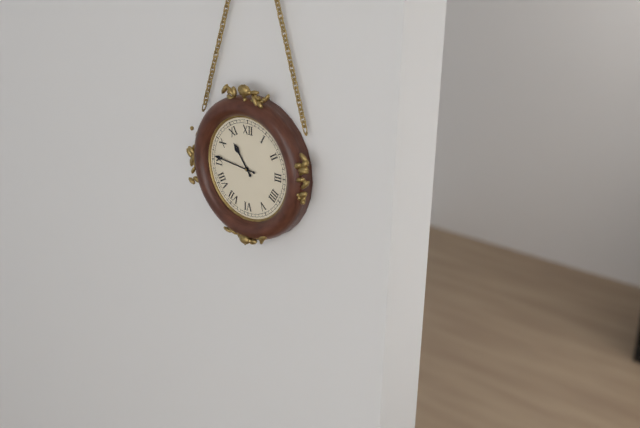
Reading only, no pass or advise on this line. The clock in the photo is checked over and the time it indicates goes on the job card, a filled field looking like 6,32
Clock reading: 10,46
